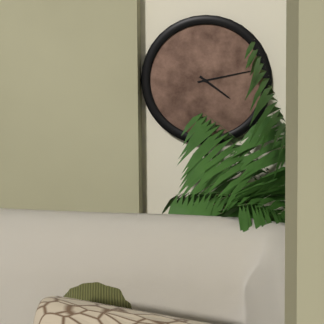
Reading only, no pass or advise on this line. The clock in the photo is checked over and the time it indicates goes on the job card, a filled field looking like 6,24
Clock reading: 4,13
